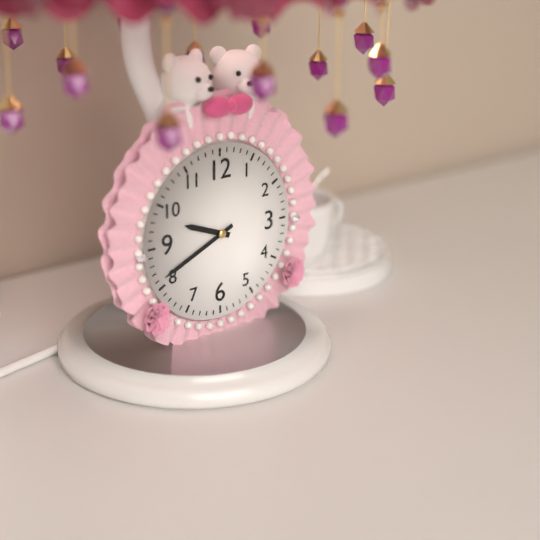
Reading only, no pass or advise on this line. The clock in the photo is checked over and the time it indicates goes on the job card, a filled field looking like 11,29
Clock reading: 9,41
